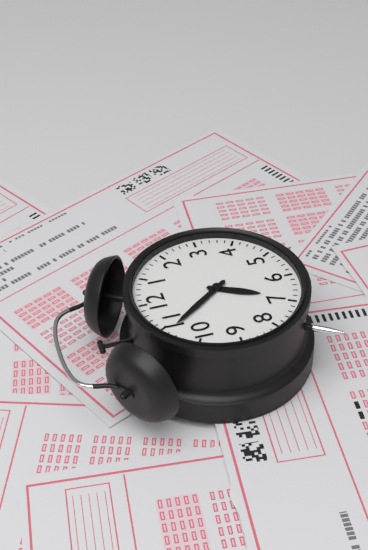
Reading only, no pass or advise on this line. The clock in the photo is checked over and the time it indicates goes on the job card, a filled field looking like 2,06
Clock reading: 6,54
